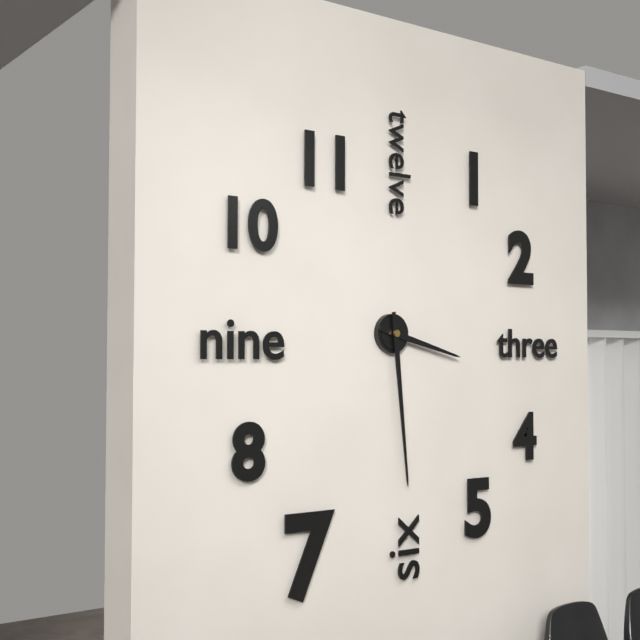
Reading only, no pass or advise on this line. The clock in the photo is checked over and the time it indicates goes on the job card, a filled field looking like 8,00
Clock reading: 3,29
